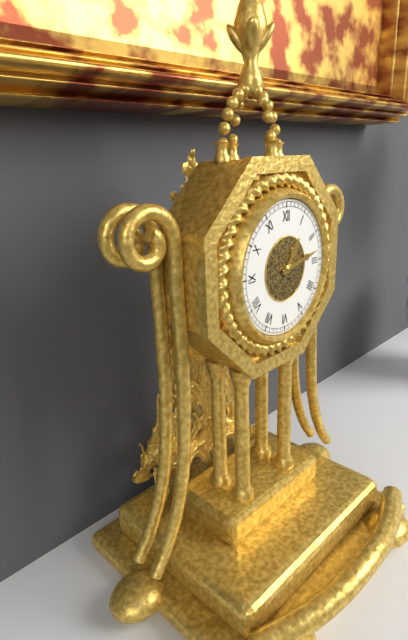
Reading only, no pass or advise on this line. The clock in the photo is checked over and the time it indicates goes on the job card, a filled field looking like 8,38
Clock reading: 1,13
